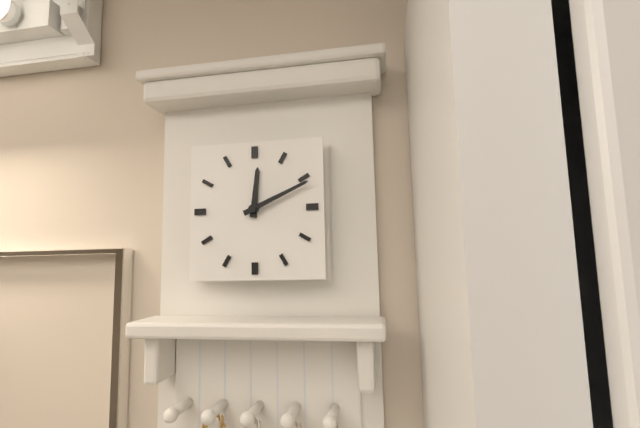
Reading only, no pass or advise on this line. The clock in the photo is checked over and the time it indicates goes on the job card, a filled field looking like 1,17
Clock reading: 12,11
